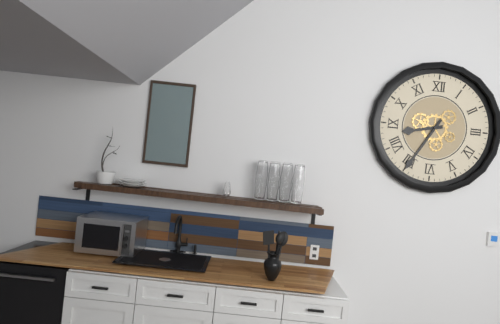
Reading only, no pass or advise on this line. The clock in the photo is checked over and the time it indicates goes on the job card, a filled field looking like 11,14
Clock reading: 8,35
